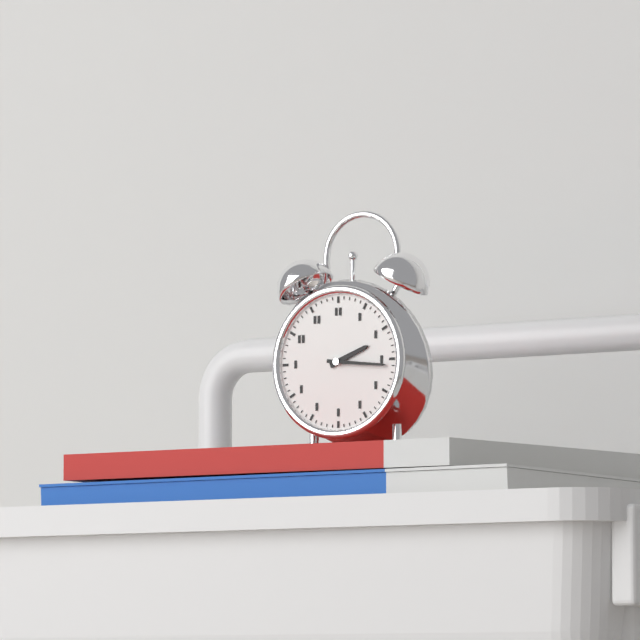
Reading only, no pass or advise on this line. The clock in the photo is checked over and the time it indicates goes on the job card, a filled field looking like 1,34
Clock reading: 2,16
